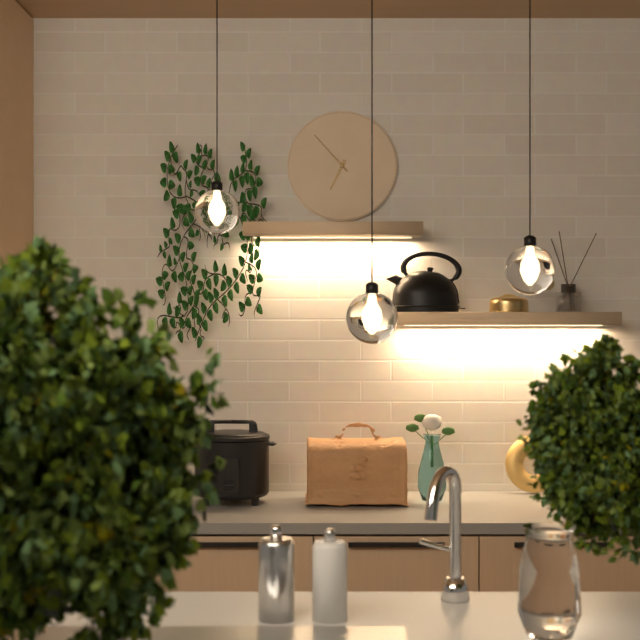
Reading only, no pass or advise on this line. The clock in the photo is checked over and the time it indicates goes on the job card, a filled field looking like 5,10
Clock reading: 6,53
